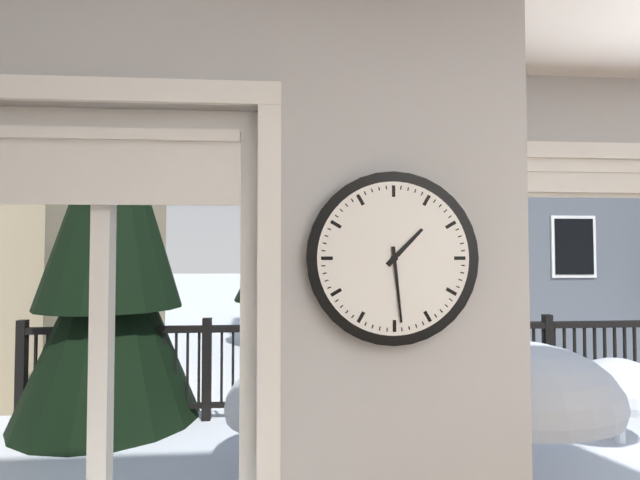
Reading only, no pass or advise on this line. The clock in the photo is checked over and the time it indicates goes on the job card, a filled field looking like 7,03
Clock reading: 1,29
